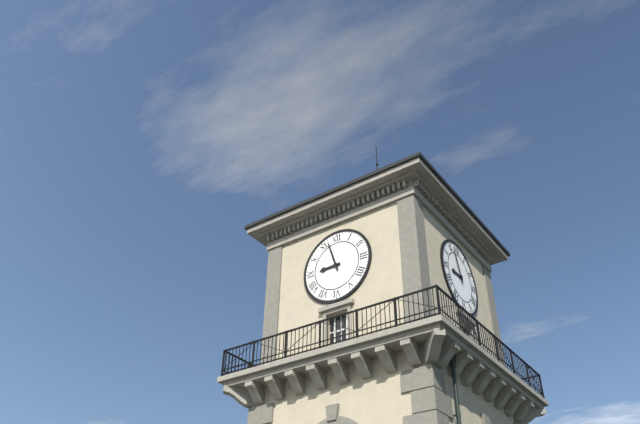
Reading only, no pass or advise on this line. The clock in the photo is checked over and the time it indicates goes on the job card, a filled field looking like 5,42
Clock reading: 8,57
